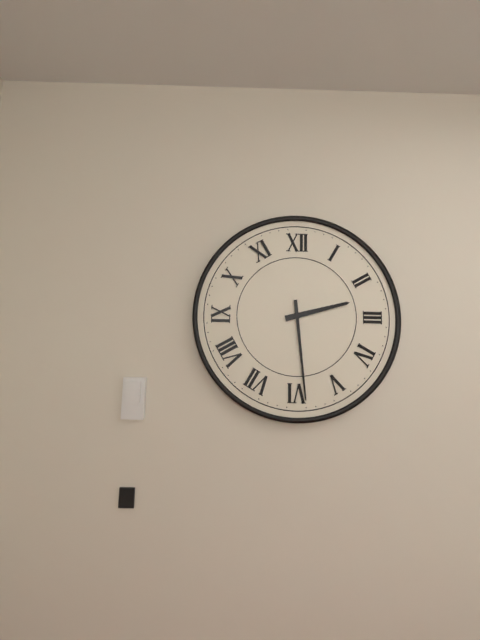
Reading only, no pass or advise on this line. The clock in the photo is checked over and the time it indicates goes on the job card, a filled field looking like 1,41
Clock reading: 2,29
